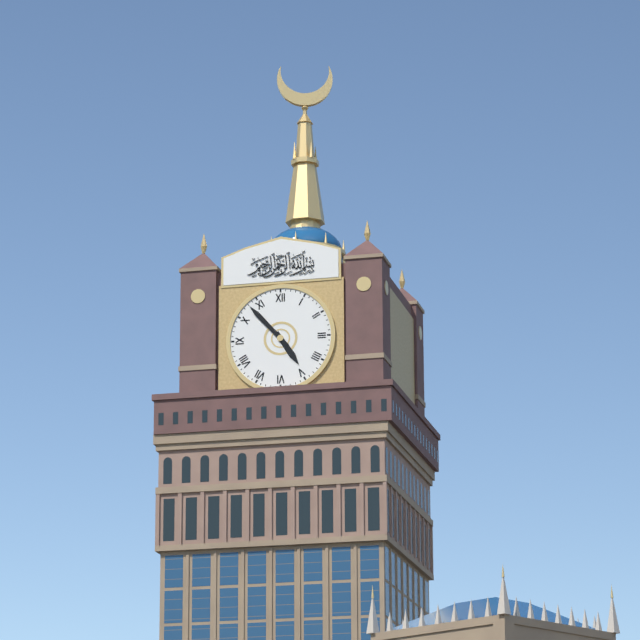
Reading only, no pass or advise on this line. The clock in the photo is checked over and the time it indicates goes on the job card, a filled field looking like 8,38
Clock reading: 4,53
